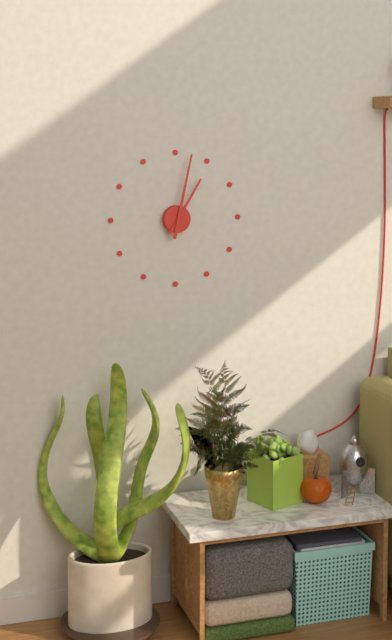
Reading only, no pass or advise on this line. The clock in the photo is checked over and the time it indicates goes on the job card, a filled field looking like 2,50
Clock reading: 1,02
